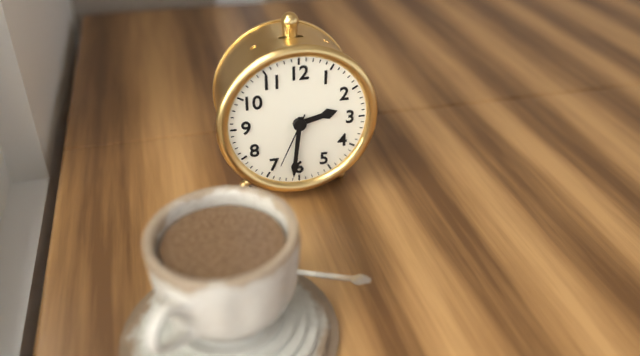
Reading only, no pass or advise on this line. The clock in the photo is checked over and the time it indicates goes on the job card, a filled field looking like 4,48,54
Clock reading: 2,31,34
